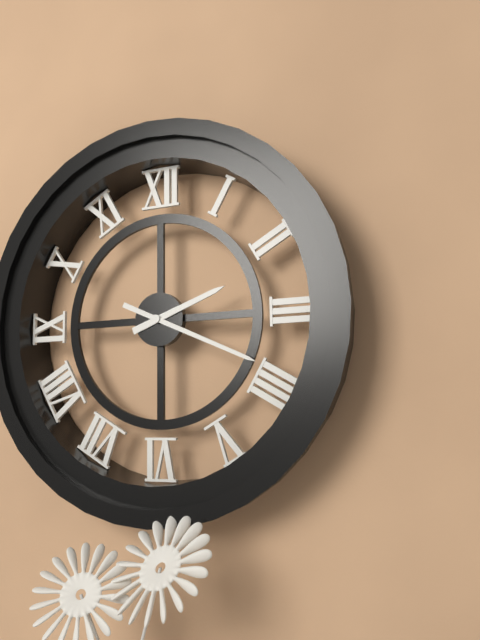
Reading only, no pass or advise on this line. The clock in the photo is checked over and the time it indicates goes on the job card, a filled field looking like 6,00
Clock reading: 2,19
